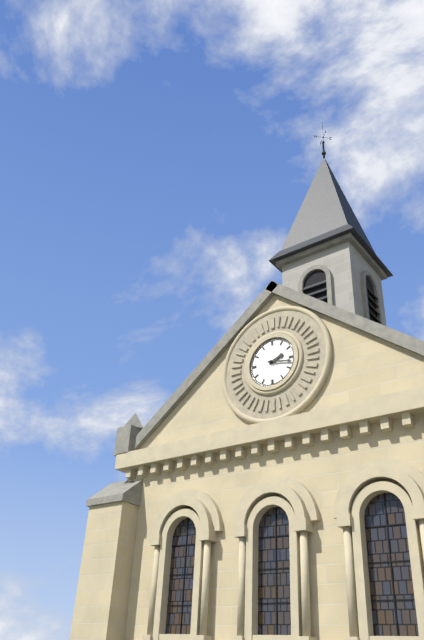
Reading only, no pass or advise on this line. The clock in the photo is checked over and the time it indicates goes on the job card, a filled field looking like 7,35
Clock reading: 2,17
